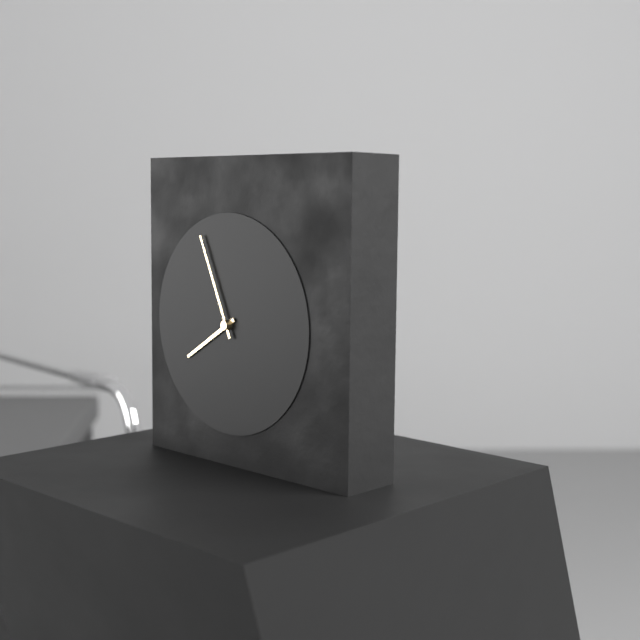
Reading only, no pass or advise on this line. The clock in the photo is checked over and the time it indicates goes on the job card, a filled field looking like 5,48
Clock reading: 7,56
